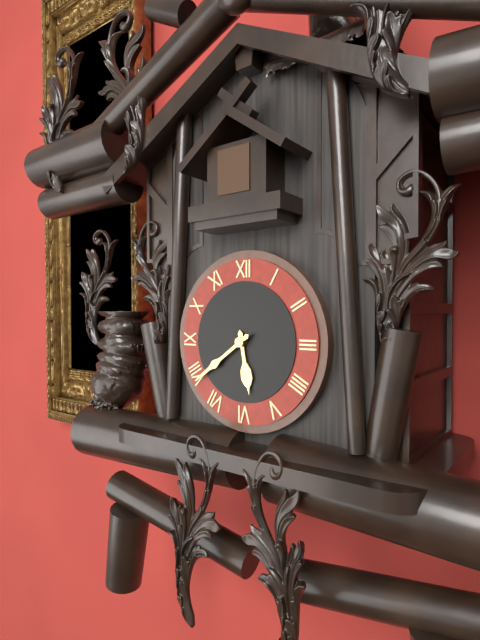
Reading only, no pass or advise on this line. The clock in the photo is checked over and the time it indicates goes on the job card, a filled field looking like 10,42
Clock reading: 5,39
